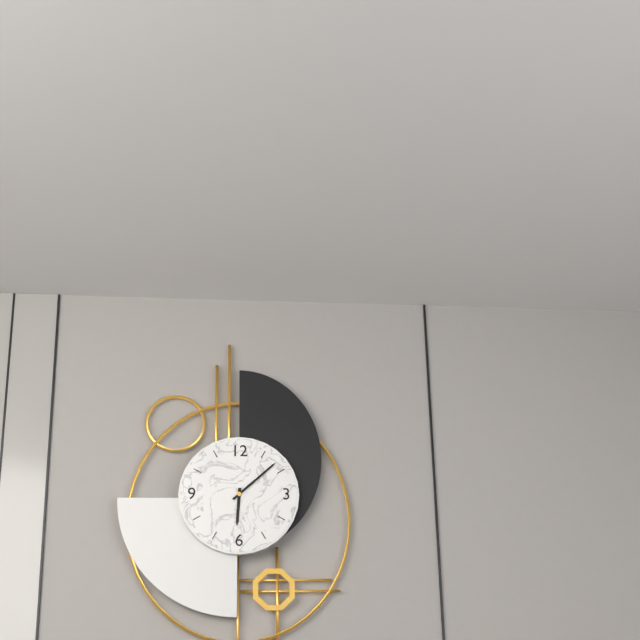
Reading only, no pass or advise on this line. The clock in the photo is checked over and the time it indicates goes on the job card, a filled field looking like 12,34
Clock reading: 6,08
